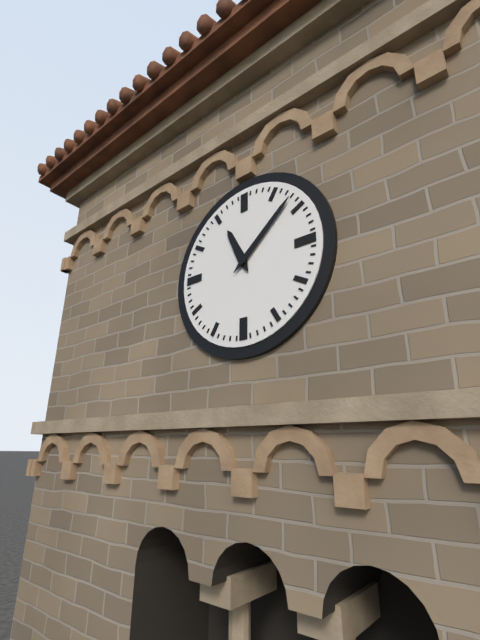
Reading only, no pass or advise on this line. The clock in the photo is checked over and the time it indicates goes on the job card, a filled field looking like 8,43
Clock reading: 11,08
